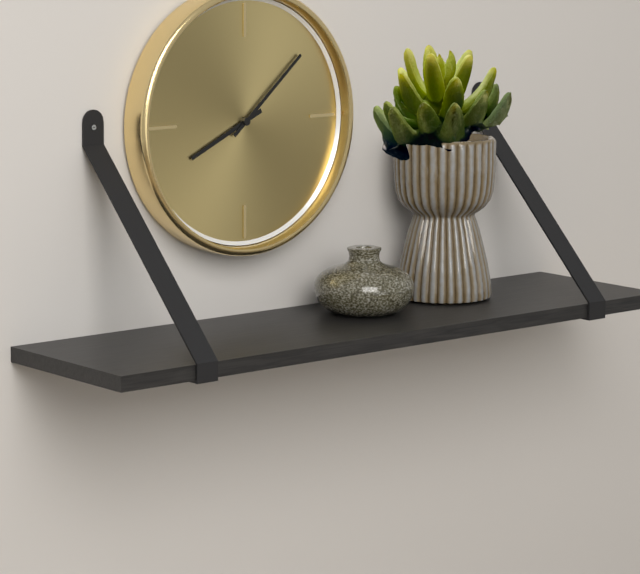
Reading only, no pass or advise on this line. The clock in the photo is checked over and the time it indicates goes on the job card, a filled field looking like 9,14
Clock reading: 8,08
